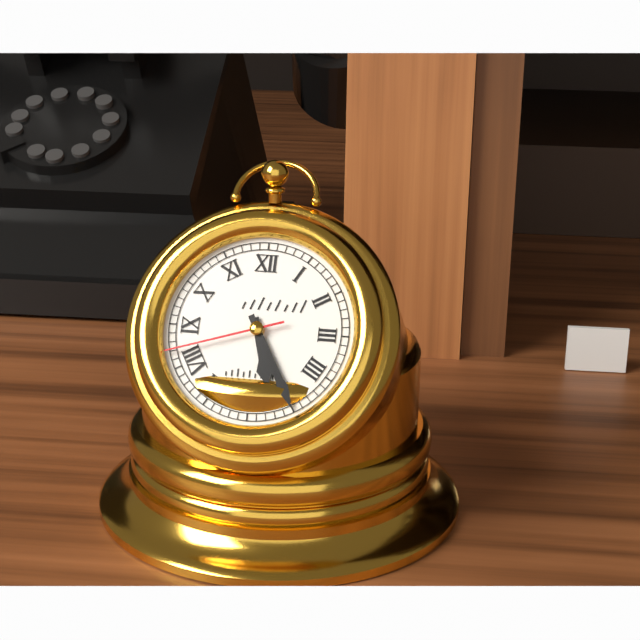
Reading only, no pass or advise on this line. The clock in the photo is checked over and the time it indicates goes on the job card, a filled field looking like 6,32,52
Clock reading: 5,25,42
